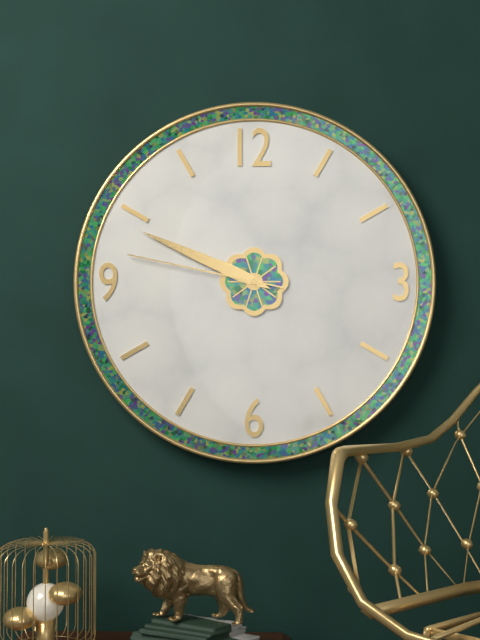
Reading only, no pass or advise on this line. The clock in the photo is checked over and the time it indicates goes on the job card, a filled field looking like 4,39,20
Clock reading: 9,49,47
